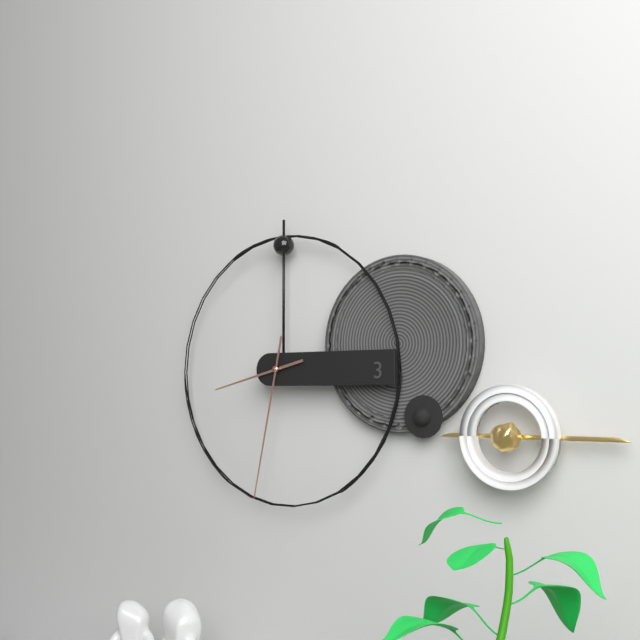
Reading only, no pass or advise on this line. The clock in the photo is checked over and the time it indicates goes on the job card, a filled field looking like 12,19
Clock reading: 8,32
